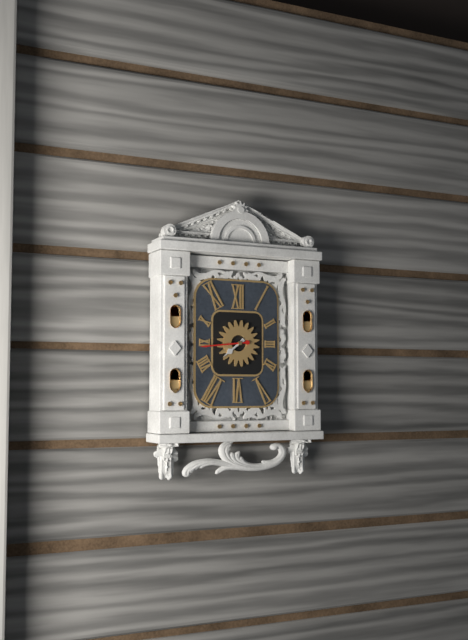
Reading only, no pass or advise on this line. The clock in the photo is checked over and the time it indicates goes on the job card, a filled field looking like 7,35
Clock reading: 7,44
